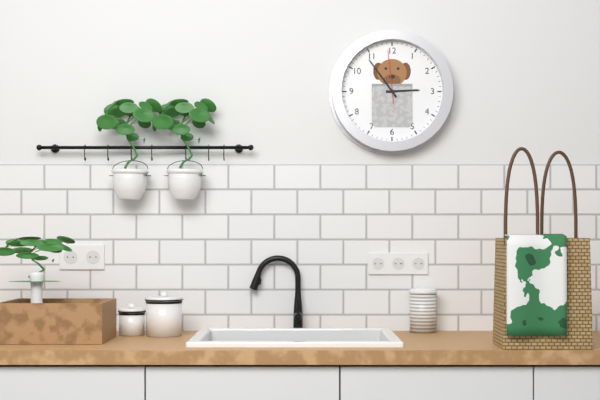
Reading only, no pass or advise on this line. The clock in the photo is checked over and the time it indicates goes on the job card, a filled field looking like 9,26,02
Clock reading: 2,54,59
